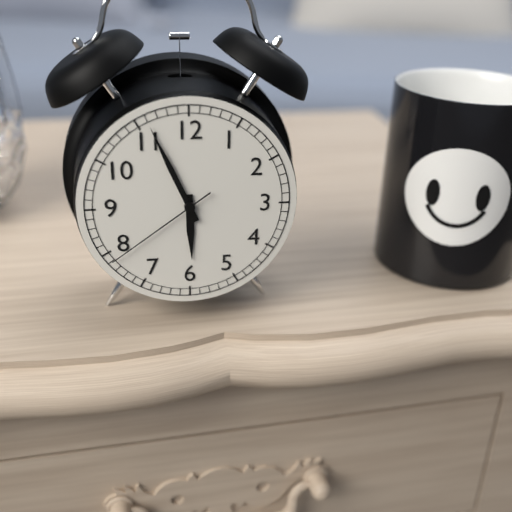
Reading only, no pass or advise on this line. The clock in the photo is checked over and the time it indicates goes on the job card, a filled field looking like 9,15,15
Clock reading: 5,56,39
